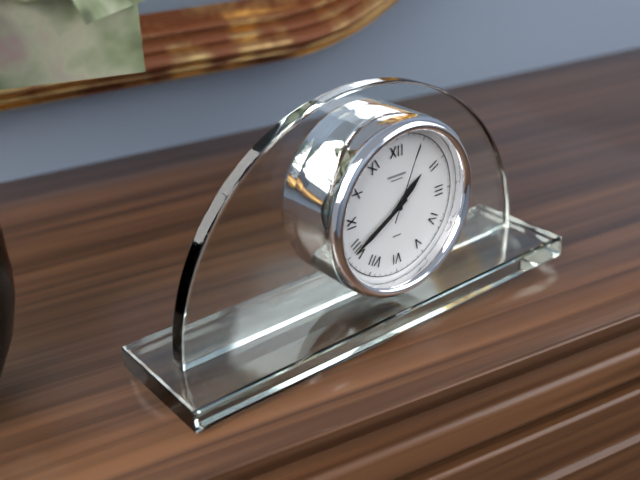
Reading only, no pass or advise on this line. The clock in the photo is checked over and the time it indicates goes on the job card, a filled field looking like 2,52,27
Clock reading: 1,40,04
